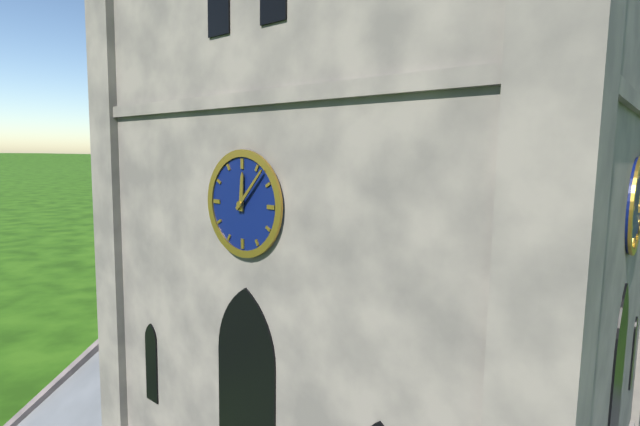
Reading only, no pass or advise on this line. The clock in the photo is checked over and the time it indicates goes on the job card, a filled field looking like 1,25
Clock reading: 12,07
